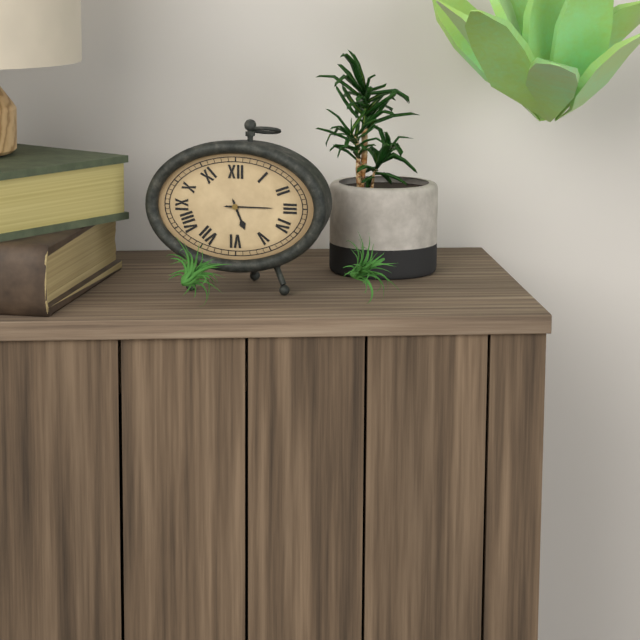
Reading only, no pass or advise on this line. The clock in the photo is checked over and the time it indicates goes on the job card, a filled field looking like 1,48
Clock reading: 5,15
